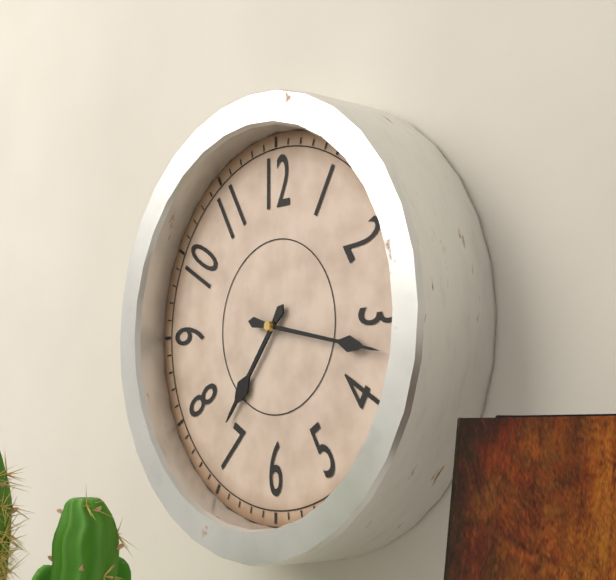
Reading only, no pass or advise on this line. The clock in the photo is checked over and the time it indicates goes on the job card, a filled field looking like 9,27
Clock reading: 7,17
